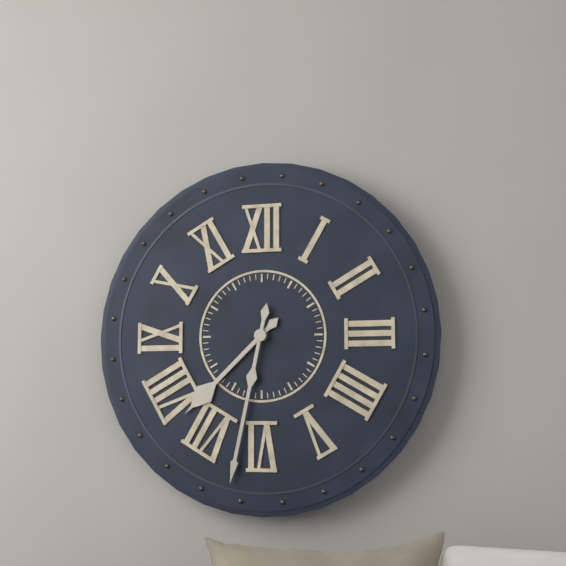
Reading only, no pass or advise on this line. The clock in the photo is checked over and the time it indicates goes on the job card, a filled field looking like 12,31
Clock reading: 7,32
